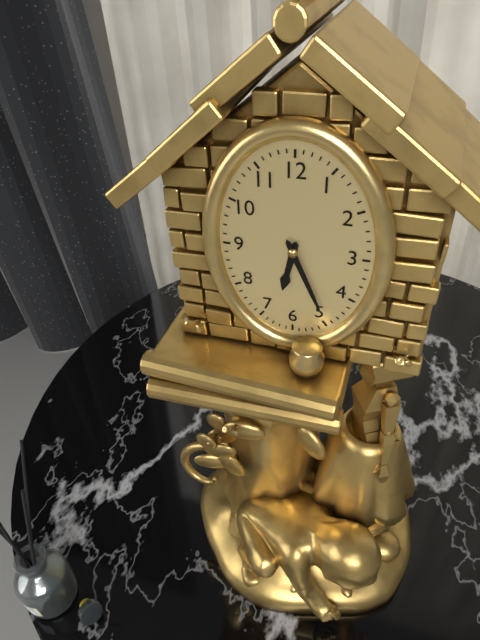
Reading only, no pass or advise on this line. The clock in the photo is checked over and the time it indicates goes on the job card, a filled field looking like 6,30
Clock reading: 6,26
